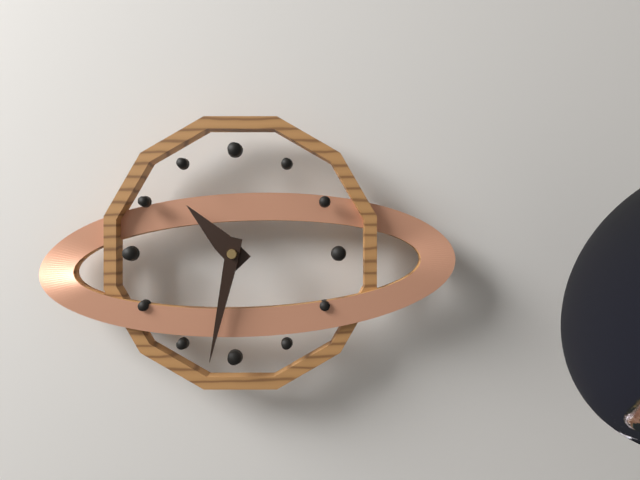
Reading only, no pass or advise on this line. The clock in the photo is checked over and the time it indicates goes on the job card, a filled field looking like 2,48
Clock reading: 10,32
